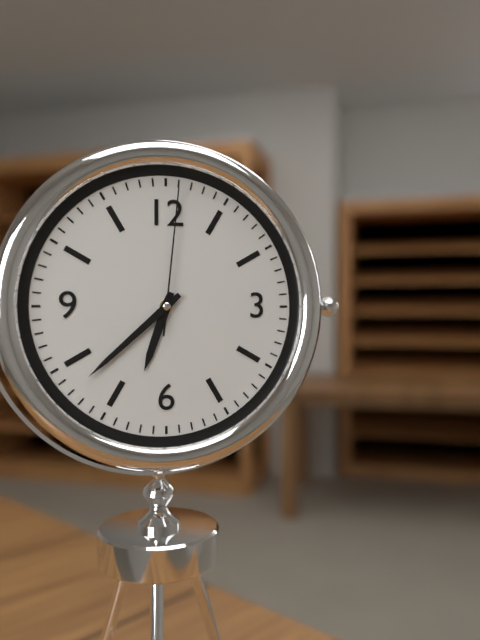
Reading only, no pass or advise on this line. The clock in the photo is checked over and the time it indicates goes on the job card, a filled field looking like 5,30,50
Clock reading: 6,38,01
